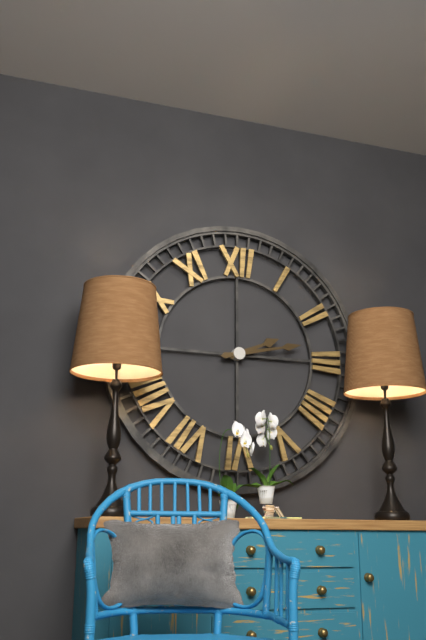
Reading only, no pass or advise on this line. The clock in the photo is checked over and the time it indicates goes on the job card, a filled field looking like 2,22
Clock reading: 2,13
